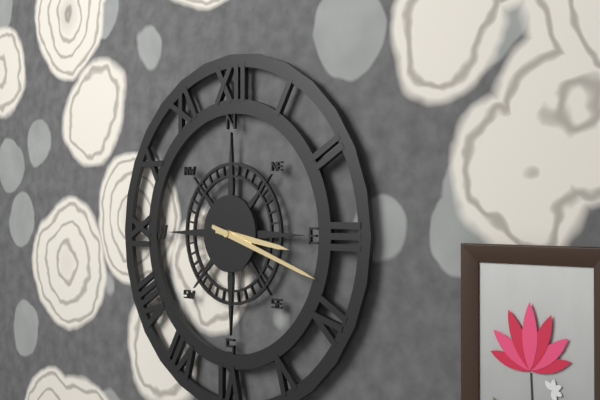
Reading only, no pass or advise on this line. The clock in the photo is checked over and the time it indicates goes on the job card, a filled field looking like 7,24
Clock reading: 3,18
